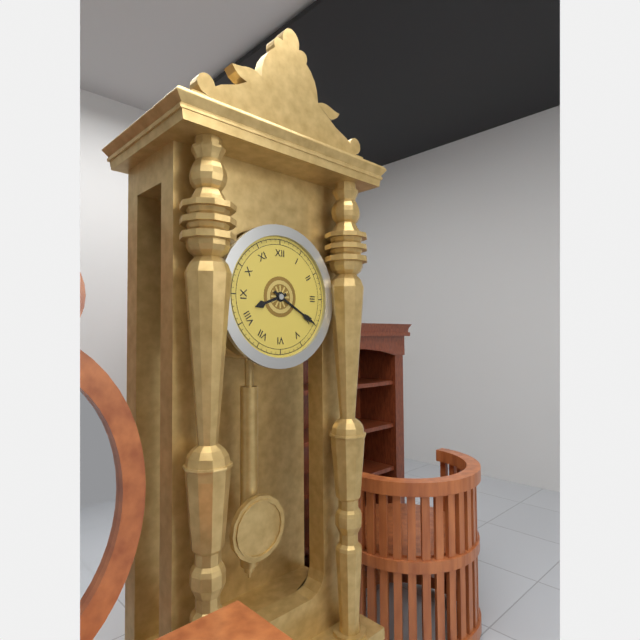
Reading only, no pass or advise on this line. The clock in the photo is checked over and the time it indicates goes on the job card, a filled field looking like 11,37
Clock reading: 8,20
